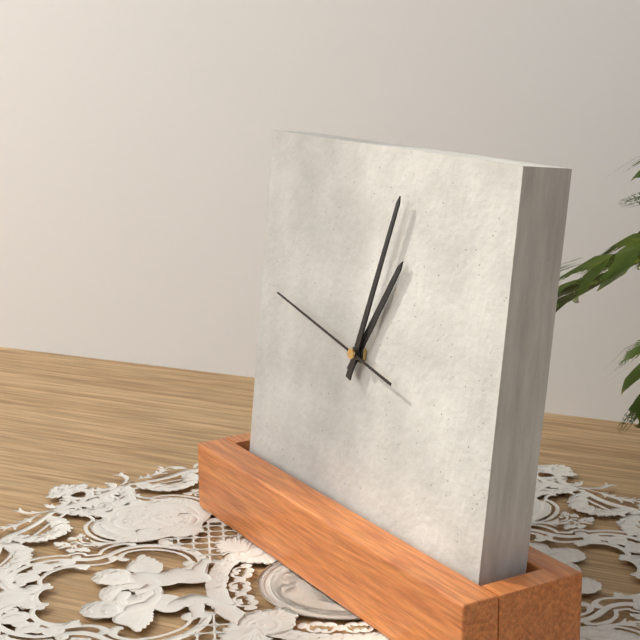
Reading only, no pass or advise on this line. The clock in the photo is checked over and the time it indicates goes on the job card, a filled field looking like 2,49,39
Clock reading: 1,03,47
